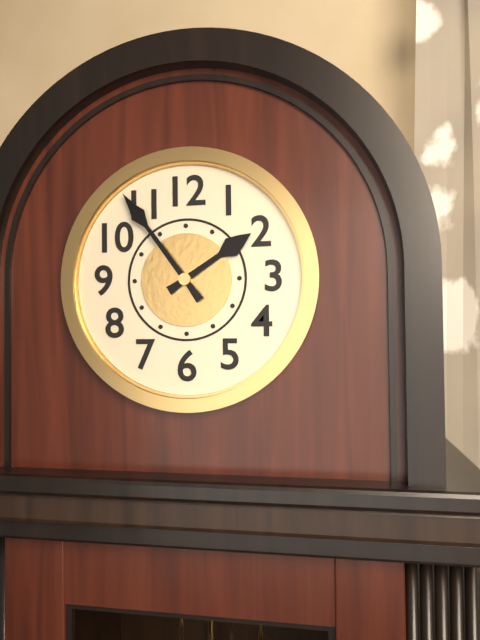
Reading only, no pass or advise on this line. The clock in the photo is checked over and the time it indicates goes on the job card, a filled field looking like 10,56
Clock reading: 1,54
